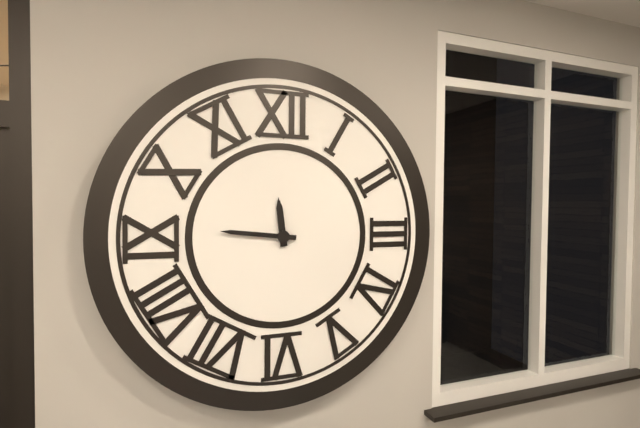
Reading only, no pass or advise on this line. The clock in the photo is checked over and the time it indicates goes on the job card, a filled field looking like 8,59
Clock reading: 11,46
